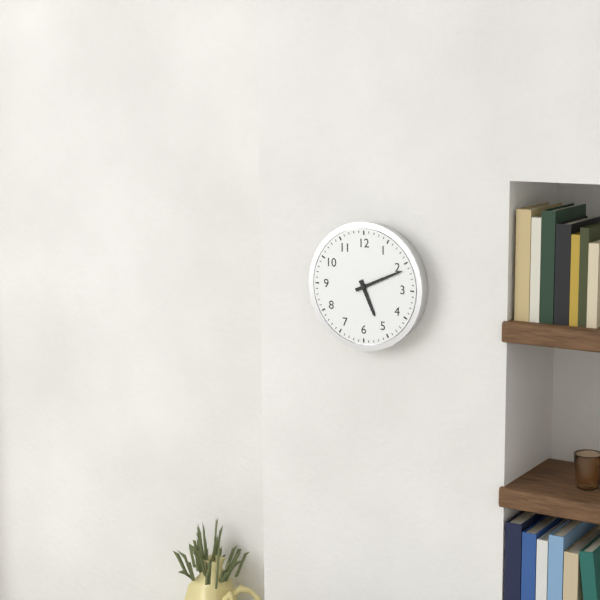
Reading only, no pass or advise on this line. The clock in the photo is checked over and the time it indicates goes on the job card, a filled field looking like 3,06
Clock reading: 5,11
